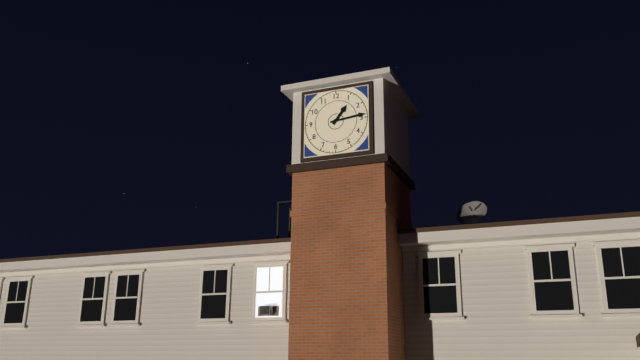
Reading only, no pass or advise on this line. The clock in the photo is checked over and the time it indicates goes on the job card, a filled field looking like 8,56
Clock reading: 1,14
